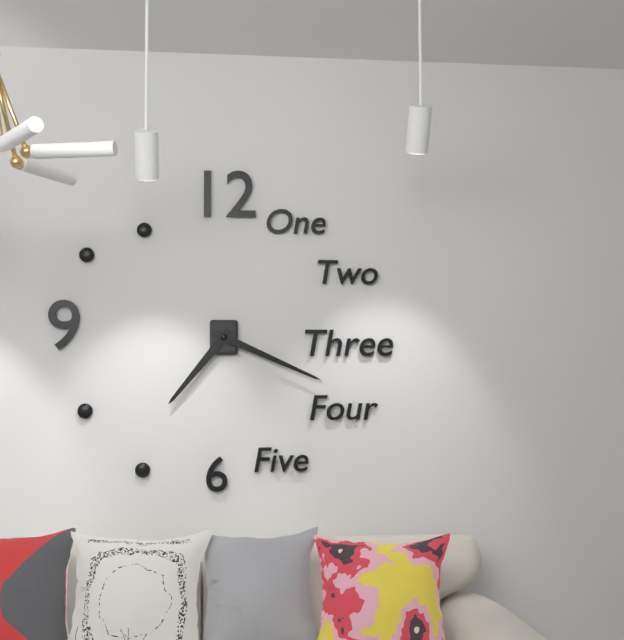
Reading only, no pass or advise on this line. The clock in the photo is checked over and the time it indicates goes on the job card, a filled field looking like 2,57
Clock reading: 7,19
